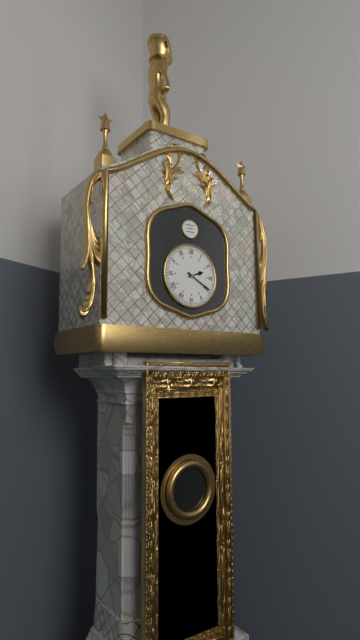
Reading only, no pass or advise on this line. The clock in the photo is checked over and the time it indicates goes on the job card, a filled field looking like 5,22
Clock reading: 2,20
